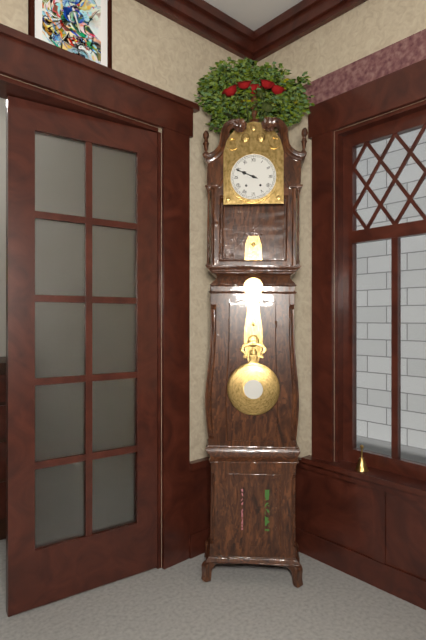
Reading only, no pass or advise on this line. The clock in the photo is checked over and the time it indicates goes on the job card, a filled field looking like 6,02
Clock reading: 9,49
